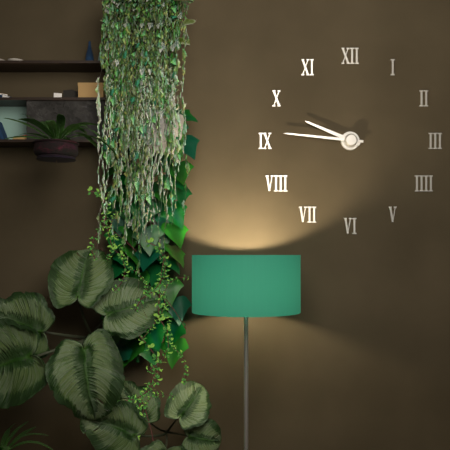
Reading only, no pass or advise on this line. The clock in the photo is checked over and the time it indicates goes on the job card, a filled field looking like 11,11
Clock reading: 9,46
